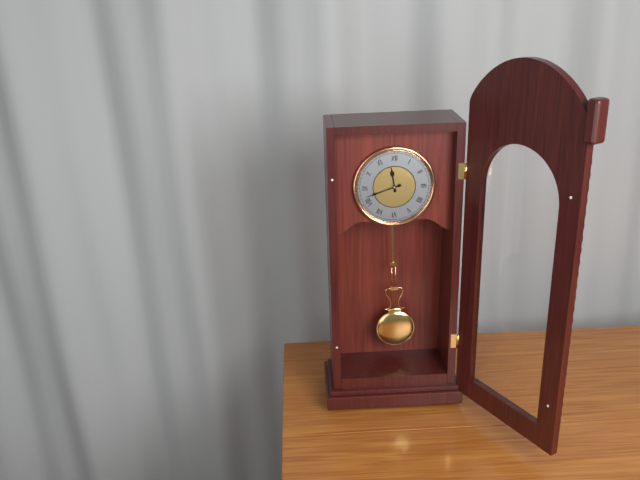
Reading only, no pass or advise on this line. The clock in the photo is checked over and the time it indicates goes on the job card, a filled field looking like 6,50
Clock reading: 11,42
